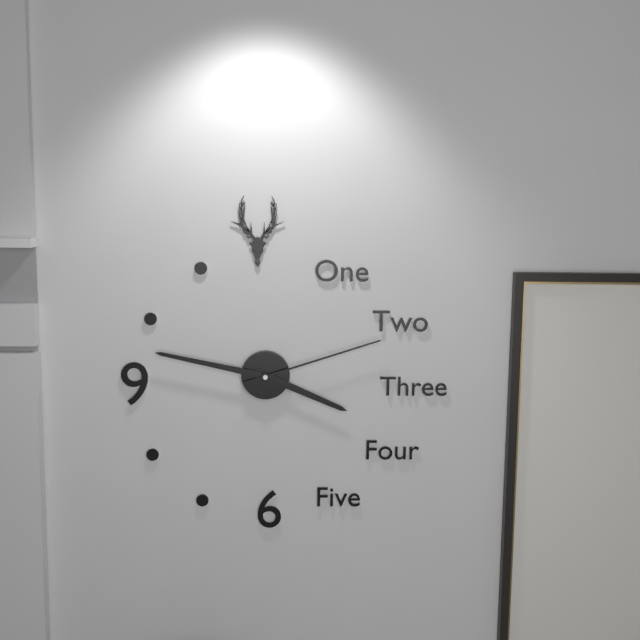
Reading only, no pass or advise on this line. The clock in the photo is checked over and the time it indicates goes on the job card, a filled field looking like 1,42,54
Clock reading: 3,47,12
